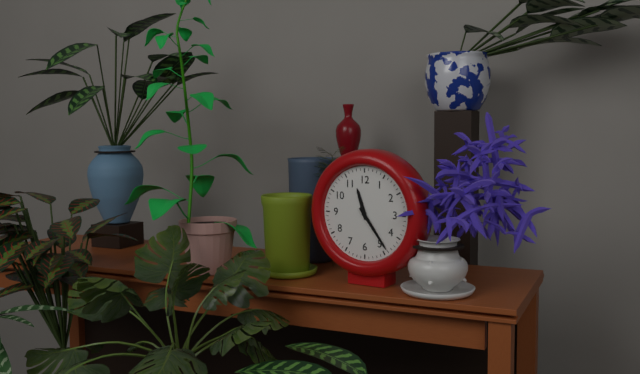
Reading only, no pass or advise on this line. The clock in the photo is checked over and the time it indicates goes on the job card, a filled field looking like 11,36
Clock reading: 11,24
